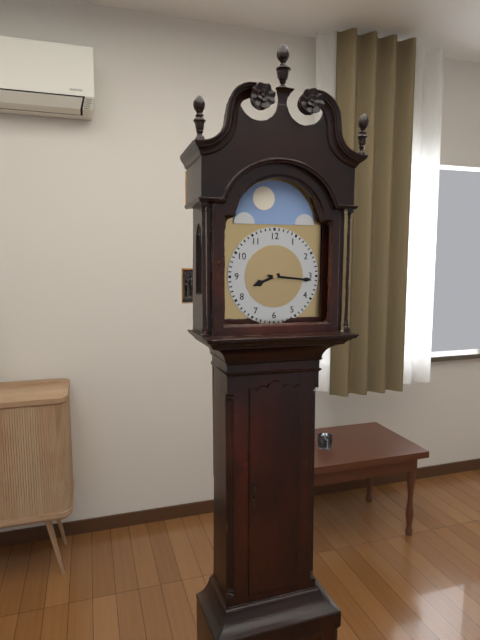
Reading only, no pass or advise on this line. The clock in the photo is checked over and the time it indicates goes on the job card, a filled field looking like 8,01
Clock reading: 8,16
